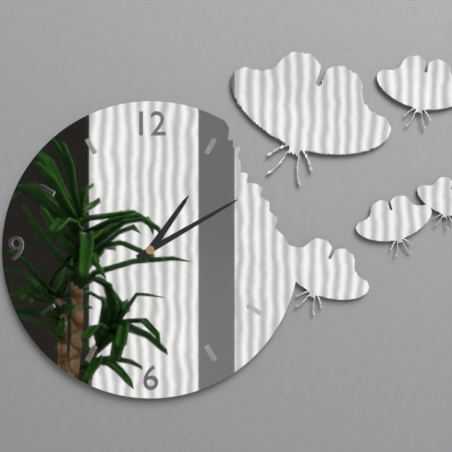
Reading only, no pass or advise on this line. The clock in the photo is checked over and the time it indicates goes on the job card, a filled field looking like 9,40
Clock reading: 1,10
